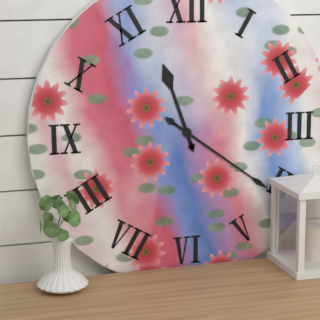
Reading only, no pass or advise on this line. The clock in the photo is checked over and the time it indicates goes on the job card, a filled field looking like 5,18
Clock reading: 11,21
